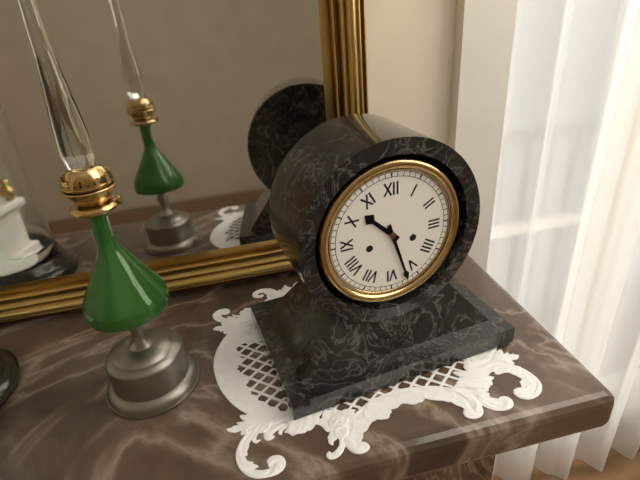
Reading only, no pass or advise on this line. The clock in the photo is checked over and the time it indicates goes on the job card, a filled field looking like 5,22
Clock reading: 10,27
